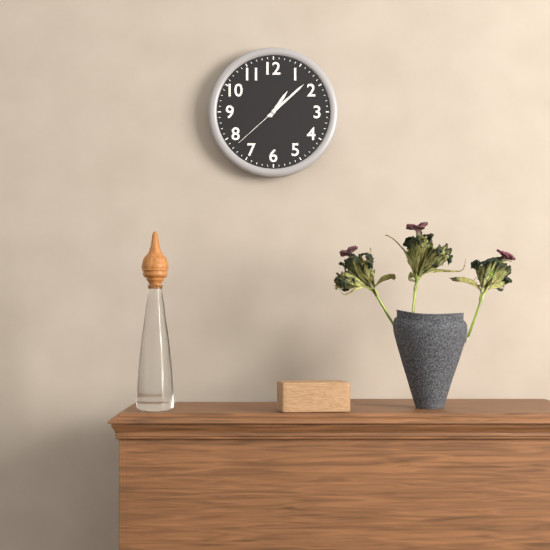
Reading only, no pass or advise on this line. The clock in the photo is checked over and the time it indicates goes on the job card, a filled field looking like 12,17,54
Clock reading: 1,08,38
